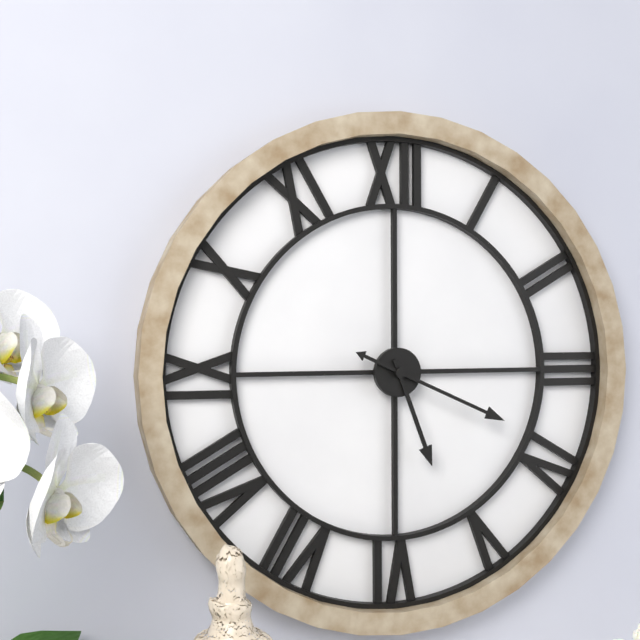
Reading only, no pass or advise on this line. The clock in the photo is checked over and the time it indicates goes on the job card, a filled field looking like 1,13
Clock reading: 5,19
